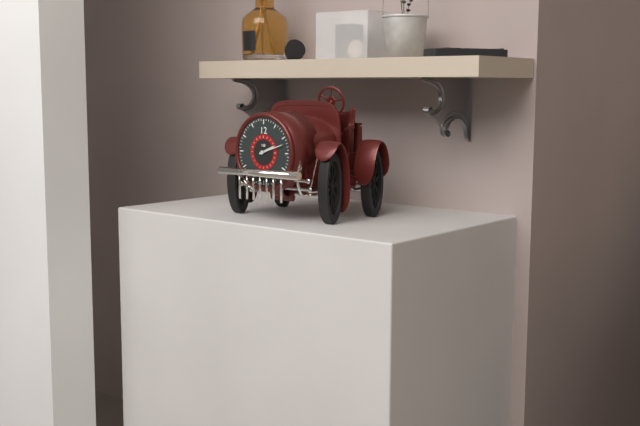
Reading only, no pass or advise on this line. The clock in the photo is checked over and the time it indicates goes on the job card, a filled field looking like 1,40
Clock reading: 2,12
